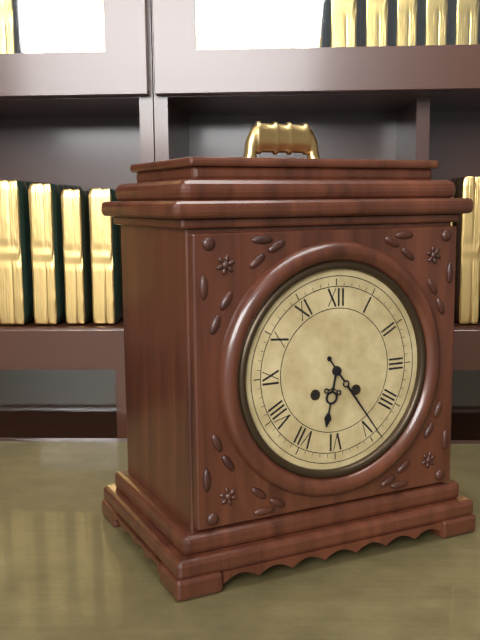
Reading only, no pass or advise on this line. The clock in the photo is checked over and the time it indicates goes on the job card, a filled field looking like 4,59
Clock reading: 6,24
